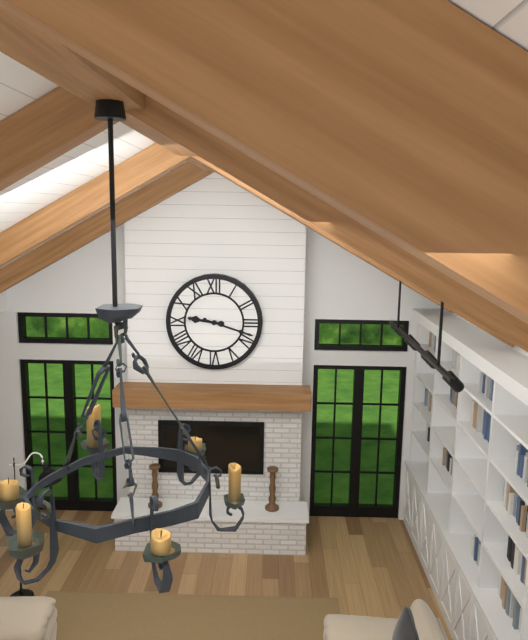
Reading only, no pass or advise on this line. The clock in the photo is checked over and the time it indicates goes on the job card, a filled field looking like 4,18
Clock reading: 9,18
